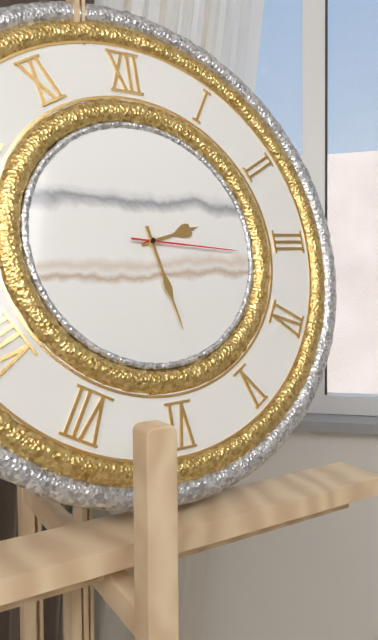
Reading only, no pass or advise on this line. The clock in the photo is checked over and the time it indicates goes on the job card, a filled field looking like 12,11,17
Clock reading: 2,28,16
